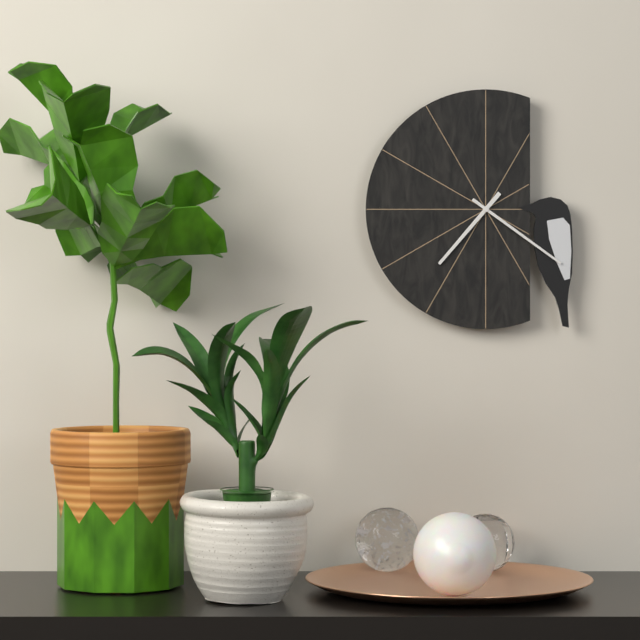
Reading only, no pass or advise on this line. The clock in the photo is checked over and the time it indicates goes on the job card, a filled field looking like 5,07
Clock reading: 7,21
